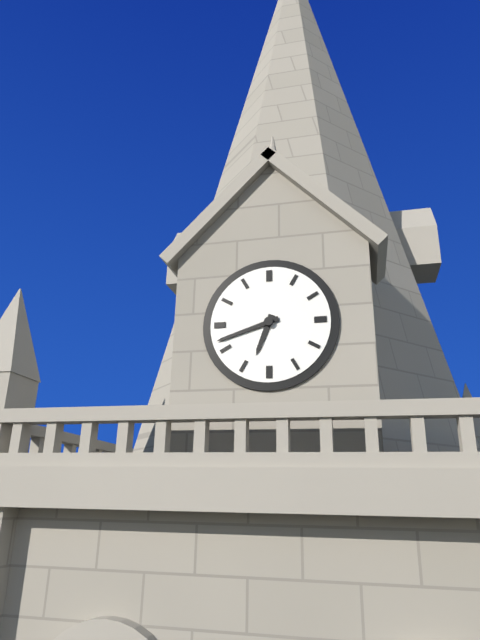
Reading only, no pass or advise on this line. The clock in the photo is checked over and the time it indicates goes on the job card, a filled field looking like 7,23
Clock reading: 6,42
